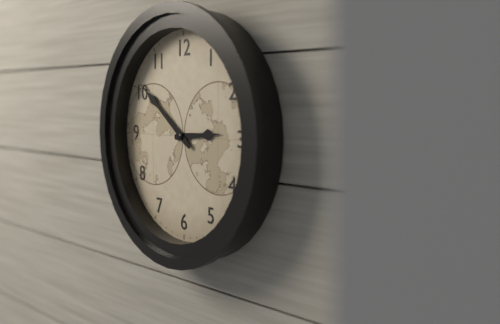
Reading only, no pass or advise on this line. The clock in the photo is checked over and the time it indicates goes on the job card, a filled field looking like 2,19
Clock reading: 2,51
